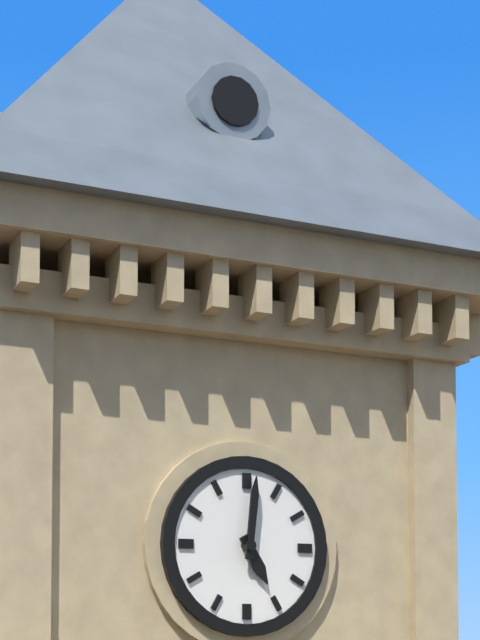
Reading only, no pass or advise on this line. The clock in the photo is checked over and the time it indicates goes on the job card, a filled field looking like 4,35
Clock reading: 5,01
